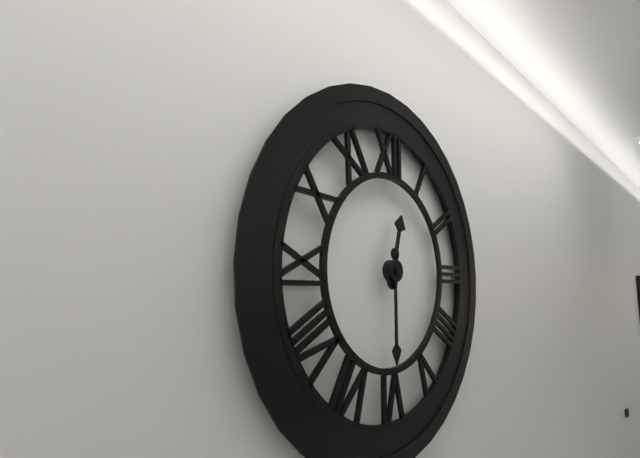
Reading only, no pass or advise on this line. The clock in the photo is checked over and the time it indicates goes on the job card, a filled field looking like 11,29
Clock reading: 12,30
